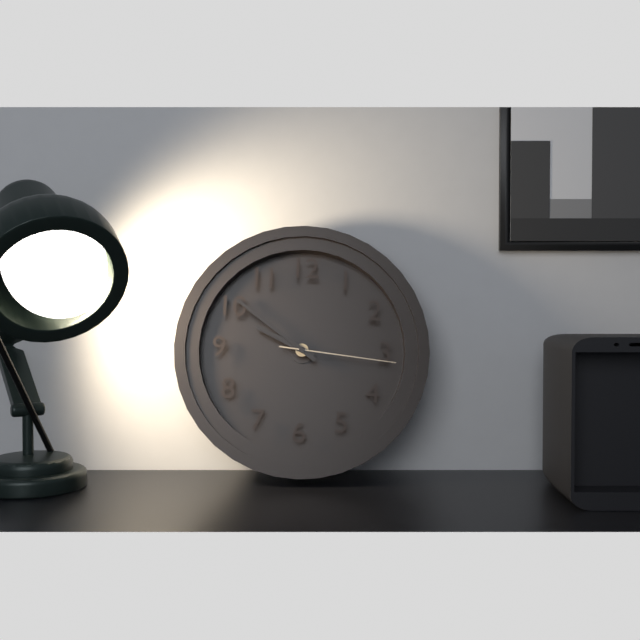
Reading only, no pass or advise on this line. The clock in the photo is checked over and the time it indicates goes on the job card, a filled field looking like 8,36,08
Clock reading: 9,51,16
